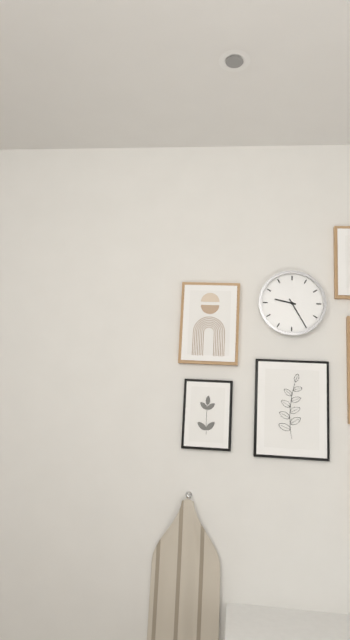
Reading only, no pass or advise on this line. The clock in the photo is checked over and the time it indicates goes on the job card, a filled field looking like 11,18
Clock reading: 9,25
